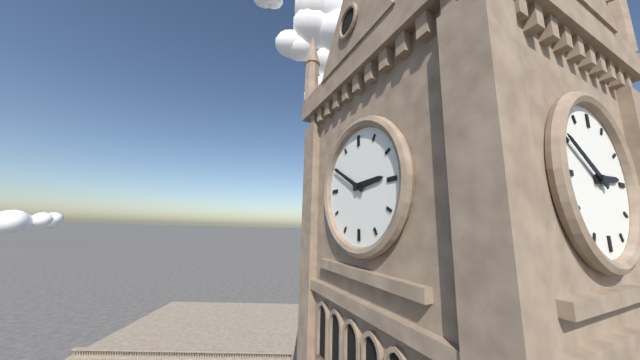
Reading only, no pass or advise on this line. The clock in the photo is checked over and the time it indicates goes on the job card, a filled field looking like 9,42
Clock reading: 2,50
